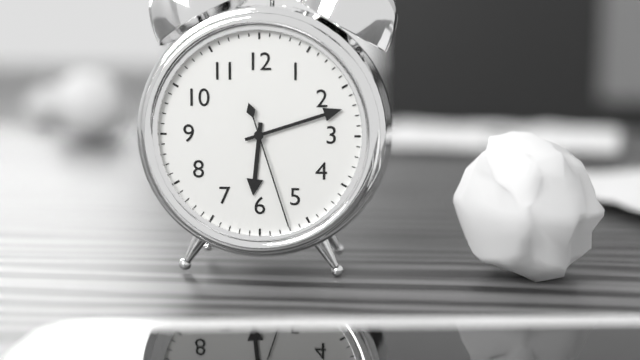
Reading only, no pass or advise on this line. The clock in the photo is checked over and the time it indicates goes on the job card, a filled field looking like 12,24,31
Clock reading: 6,12,27
